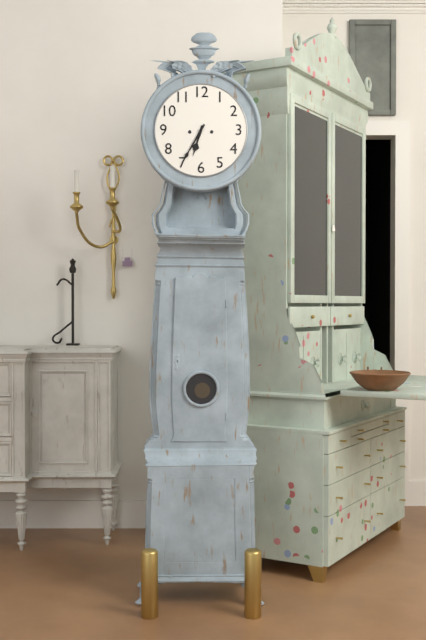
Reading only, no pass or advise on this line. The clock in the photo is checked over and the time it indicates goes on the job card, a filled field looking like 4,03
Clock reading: 6,35
